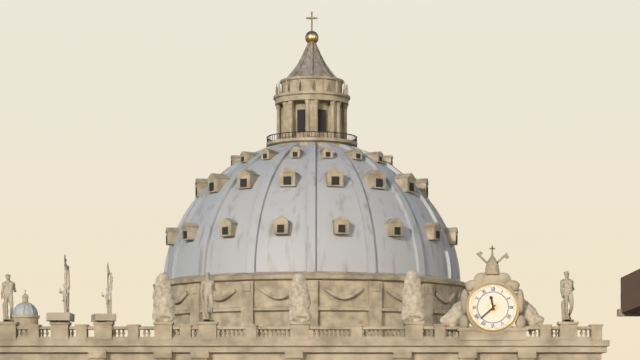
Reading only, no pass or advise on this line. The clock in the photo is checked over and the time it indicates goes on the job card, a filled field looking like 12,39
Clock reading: 11,38
